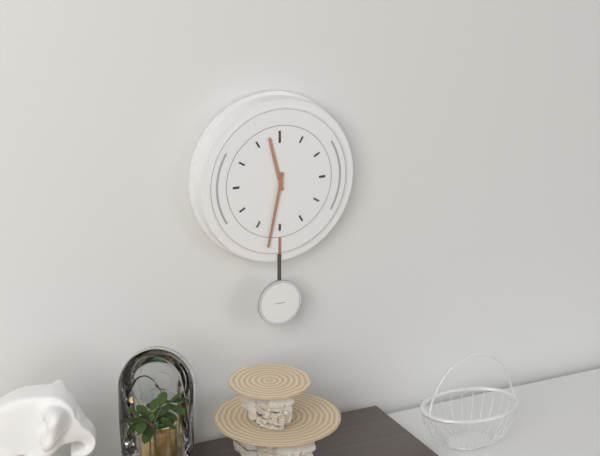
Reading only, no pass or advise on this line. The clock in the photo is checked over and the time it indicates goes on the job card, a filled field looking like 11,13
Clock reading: 11,32
